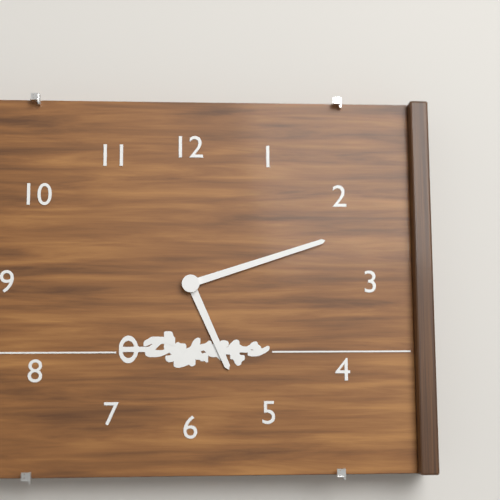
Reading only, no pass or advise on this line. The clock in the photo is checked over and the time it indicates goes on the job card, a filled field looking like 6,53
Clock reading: 5,12
